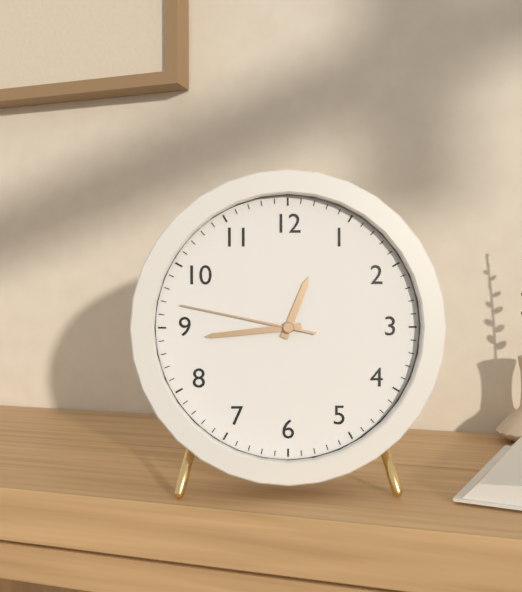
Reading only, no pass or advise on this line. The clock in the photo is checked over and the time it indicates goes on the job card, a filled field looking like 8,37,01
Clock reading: 12,44,47
